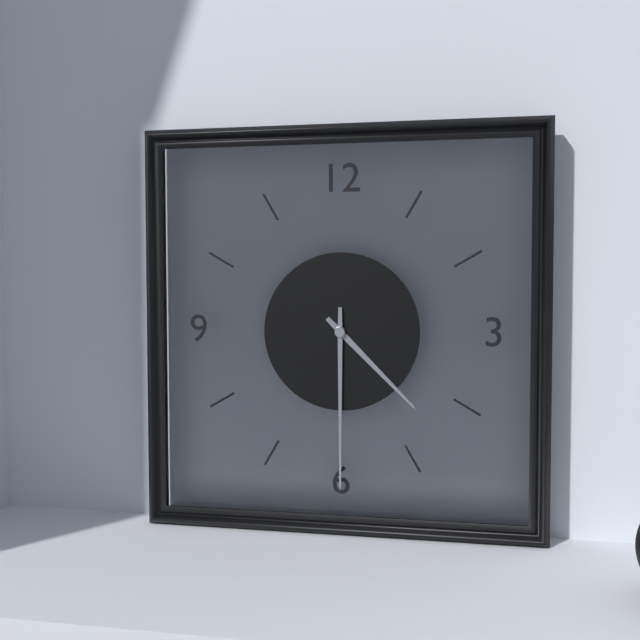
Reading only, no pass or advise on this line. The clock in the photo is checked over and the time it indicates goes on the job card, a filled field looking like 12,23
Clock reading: 4,30
